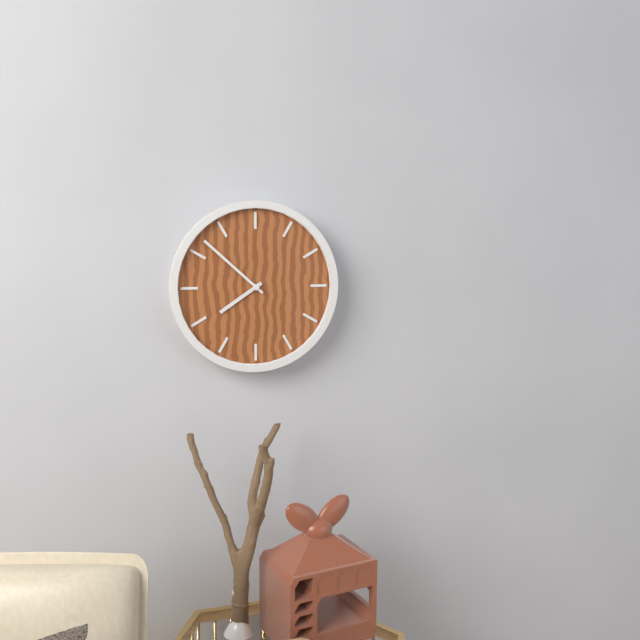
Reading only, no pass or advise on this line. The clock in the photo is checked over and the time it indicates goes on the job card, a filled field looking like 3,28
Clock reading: 7,52
